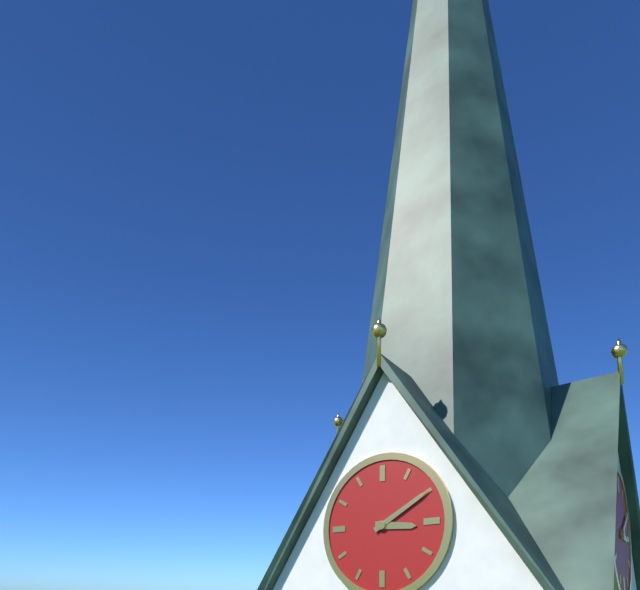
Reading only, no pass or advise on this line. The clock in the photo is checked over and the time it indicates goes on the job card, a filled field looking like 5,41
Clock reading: 3,10
